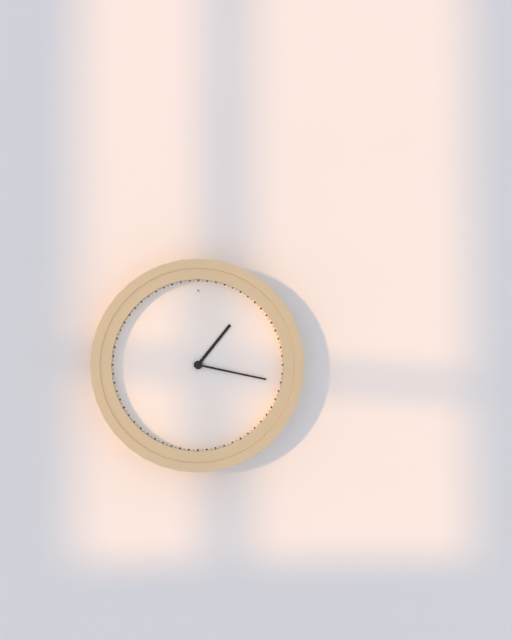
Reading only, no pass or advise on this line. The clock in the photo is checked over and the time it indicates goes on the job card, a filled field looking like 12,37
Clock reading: 1,17
